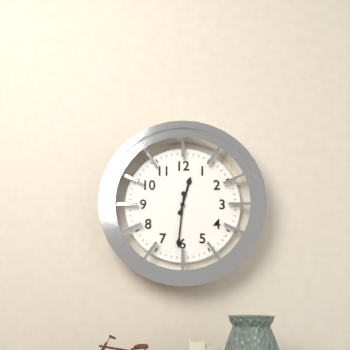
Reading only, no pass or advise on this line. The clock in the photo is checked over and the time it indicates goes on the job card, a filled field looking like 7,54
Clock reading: 12,31
